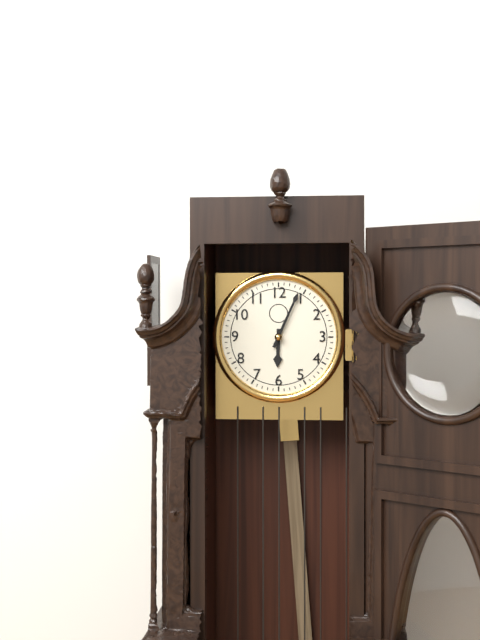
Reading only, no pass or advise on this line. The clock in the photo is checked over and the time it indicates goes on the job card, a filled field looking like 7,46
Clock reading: 6,04
